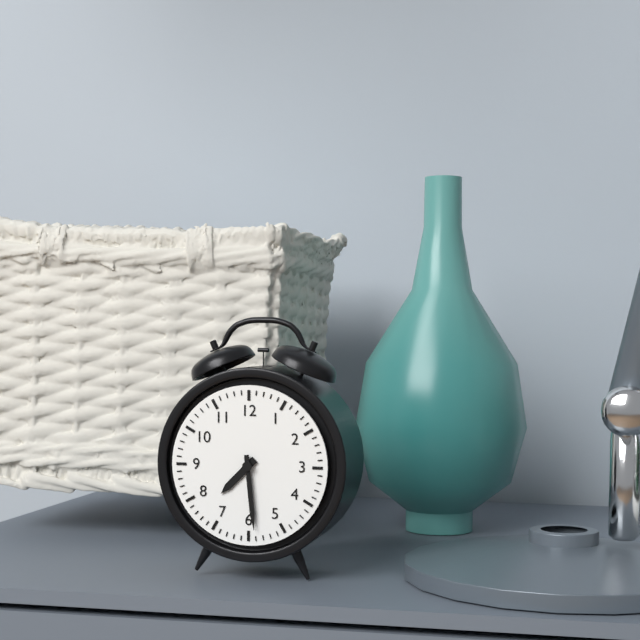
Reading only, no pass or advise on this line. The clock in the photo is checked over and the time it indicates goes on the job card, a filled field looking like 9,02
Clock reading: 7,29
